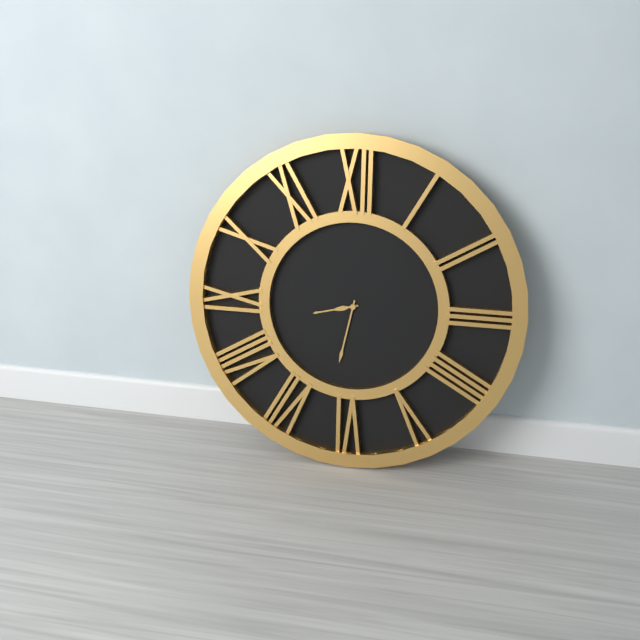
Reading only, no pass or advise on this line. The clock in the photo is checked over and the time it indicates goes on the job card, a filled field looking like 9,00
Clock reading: 8,32
